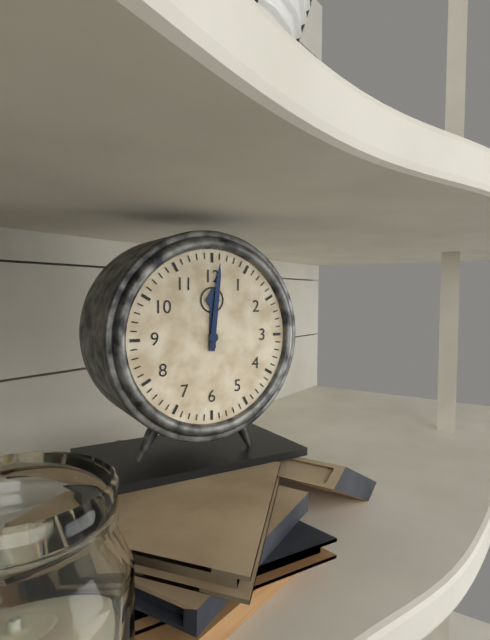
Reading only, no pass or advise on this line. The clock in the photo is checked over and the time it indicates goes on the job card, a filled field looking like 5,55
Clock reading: 12,01
